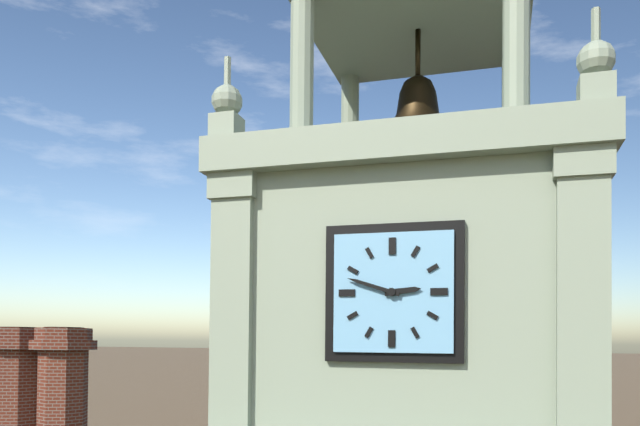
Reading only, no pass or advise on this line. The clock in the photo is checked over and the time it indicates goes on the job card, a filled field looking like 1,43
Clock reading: 2,48
